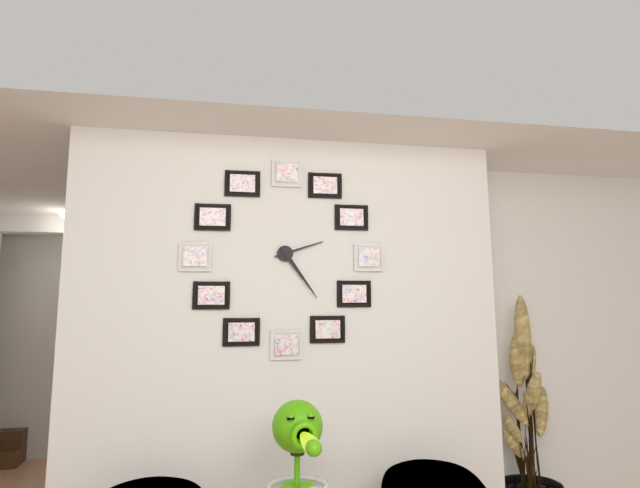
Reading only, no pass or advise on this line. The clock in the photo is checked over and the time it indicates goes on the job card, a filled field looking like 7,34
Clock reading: 2,24
